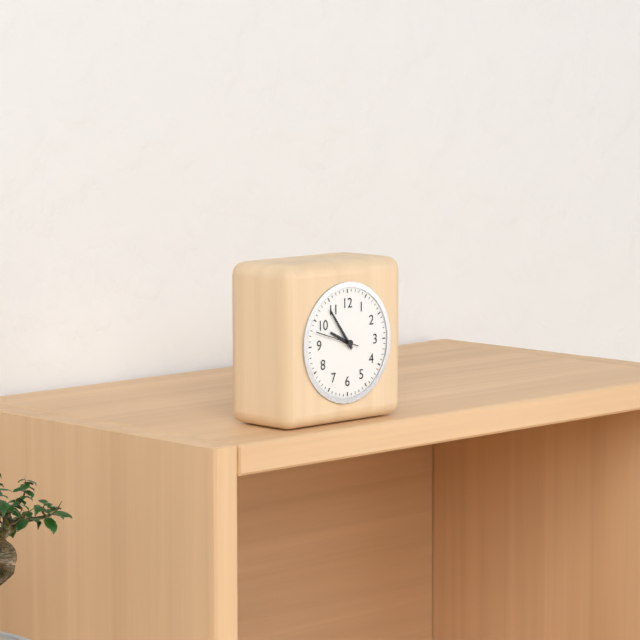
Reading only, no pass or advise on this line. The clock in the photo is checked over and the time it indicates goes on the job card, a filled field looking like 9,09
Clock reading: 9,54
